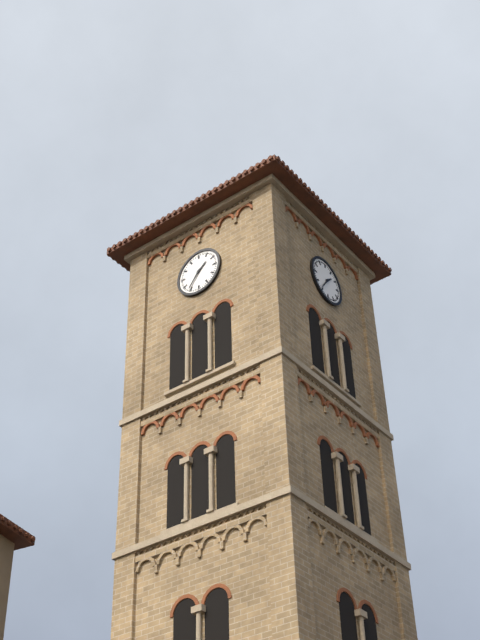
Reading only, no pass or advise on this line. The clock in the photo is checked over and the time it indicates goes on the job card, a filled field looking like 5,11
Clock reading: 1,36
